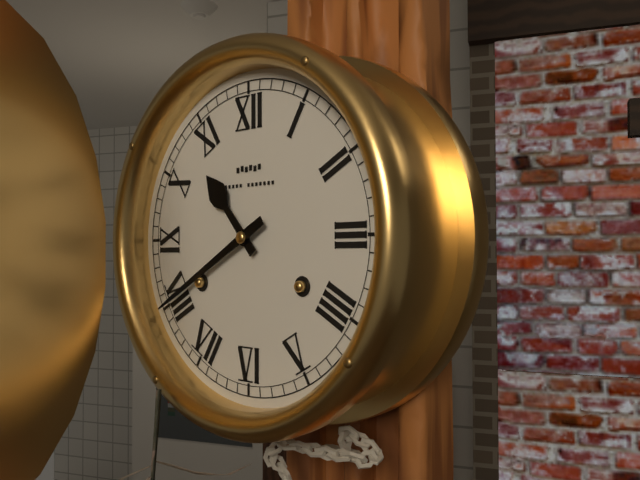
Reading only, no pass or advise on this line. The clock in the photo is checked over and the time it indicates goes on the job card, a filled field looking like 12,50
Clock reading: 10,40
